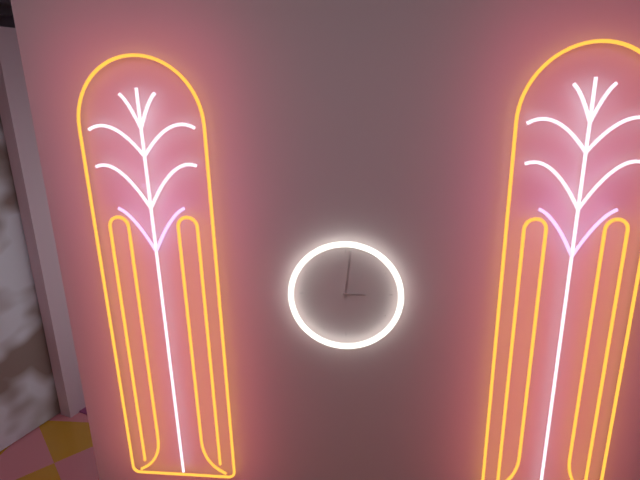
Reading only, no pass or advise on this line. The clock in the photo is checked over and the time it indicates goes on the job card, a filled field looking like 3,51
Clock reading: 3,01
